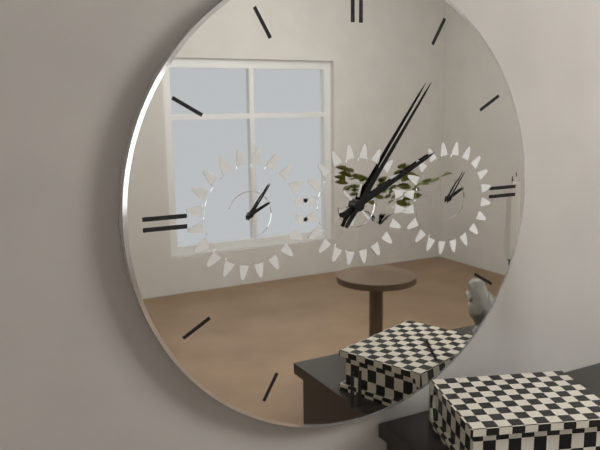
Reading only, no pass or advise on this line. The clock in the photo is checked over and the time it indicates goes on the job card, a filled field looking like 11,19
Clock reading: 2,06
